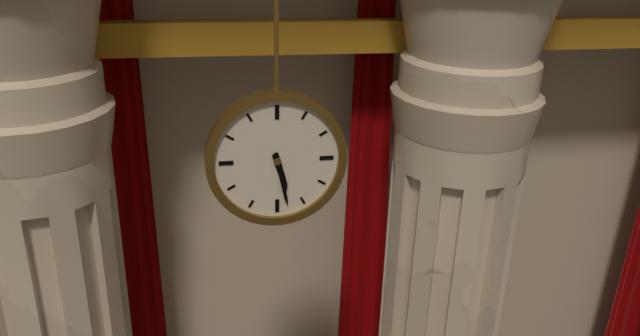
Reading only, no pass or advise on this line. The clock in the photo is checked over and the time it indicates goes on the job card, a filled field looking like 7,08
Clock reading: 5,28
